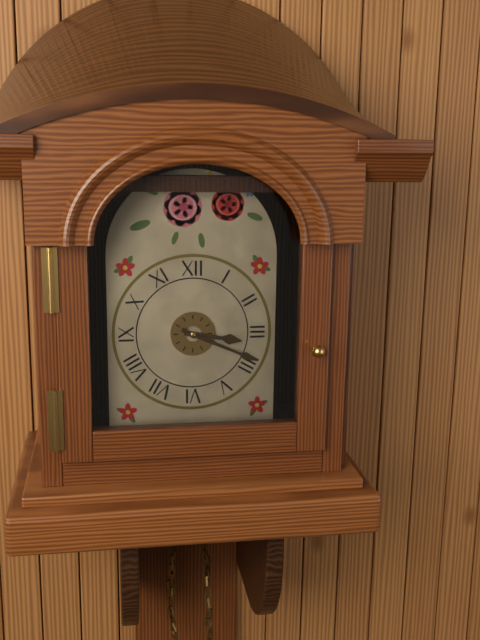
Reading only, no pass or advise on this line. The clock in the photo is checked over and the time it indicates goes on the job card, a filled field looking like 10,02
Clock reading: 3,19
